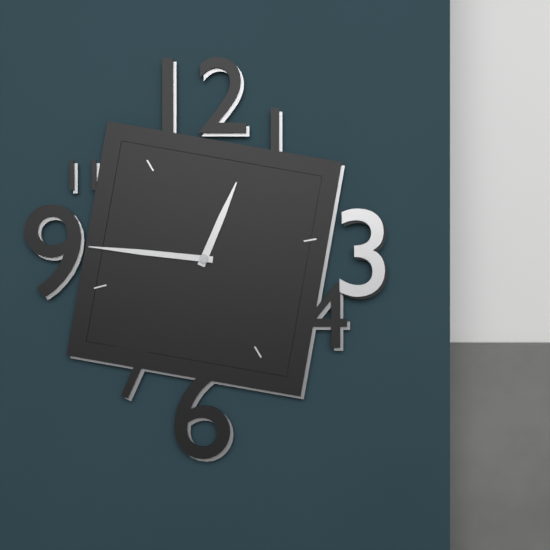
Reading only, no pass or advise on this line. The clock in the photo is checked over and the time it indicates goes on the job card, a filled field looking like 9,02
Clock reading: 12,46
